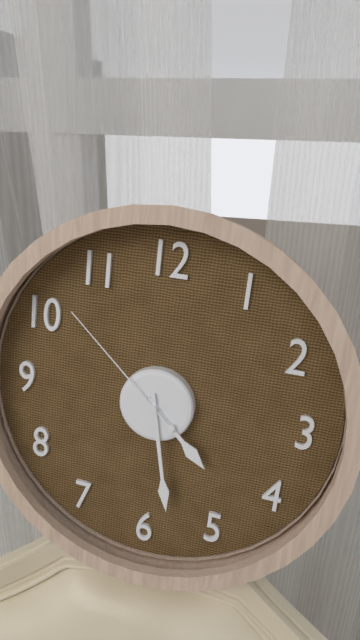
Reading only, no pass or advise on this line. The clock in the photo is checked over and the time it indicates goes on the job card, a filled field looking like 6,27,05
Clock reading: 4,28,52
